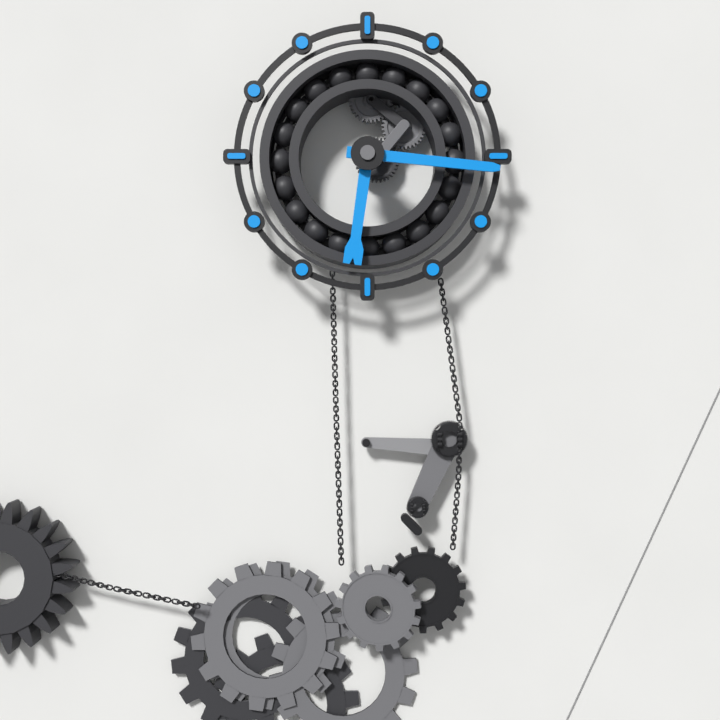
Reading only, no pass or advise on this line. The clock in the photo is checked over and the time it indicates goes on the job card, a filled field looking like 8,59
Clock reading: 6,16
